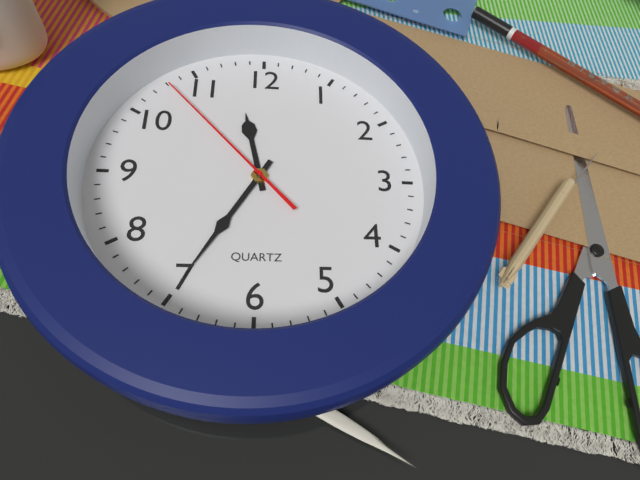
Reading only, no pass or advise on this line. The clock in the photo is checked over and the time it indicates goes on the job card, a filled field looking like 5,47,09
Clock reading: 11,35,53
